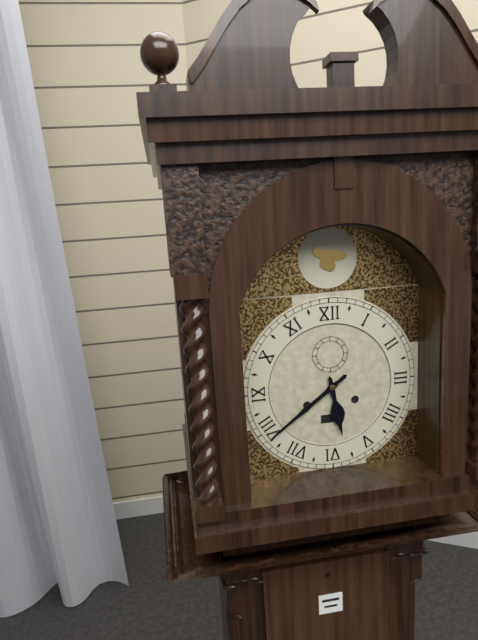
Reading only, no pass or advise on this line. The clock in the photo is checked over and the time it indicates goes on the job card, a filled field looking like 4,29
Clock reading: 5,39
